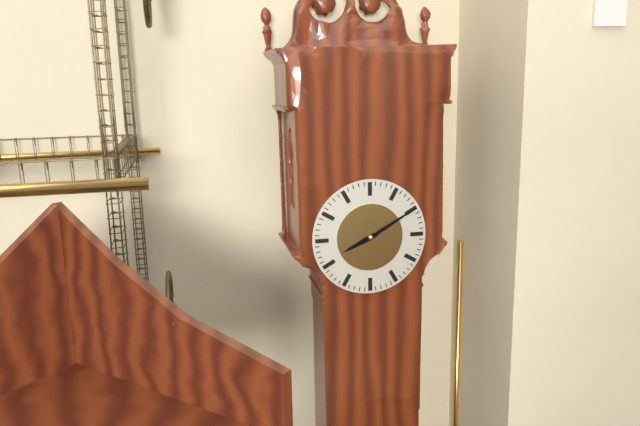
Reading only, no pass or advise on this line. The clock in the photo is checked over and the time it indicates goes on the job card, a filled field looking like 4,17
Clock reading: 8,10
